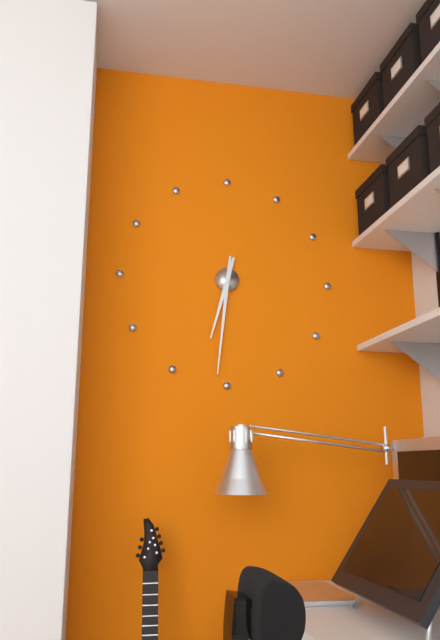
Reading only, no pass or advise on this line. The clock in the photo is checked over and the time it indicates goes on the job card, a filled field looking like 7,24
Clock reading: 6,31
